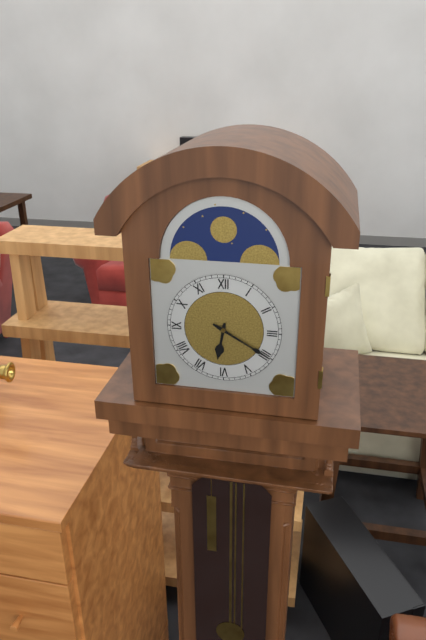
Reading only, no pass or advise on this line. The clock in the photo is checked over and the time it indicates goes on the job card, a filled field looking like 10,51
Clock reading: 6,20
